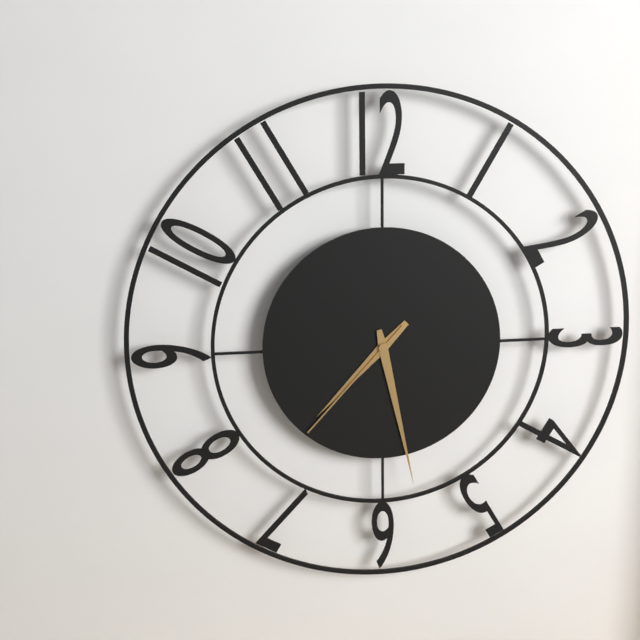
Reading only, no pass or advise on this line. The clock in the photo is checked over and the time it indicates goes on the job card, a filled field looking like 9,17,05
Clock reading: 7,28,37
